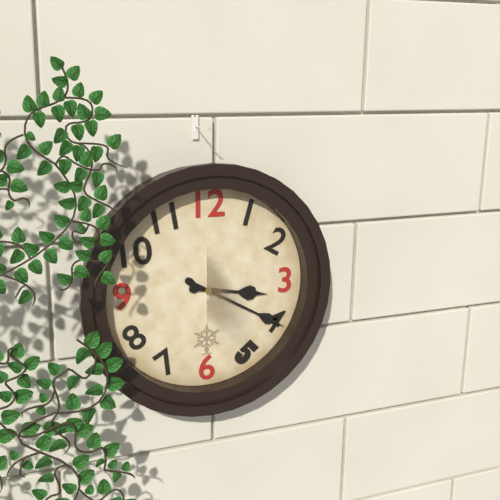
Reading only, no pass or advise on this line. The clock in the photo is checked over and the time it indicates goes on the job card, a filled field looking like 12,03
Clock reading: 3,20
